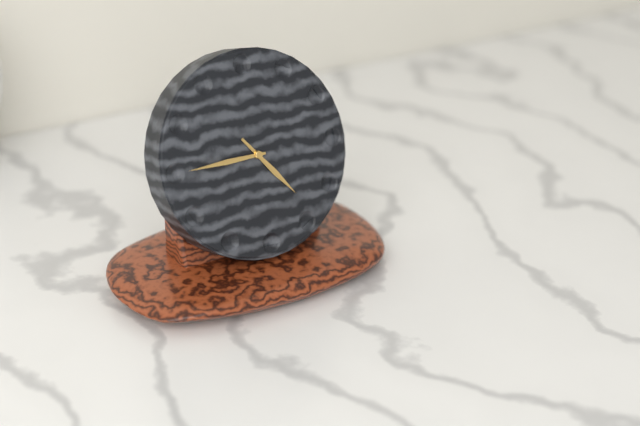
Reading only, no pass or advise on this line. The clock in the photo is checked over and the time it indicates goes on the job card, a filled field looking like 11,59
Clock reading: 4,45
